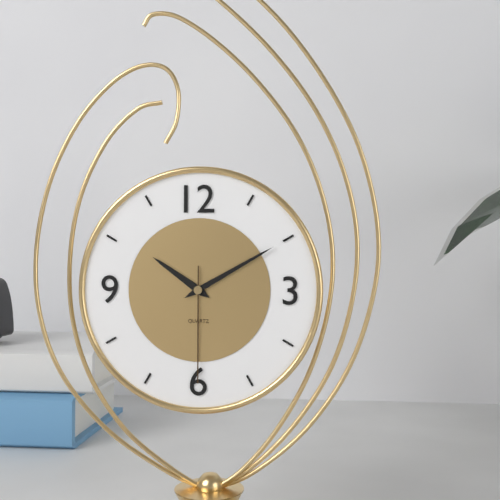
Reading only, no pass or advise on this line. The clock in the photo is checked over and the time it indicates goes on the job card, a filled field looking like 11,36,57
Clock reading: 10,10,30
